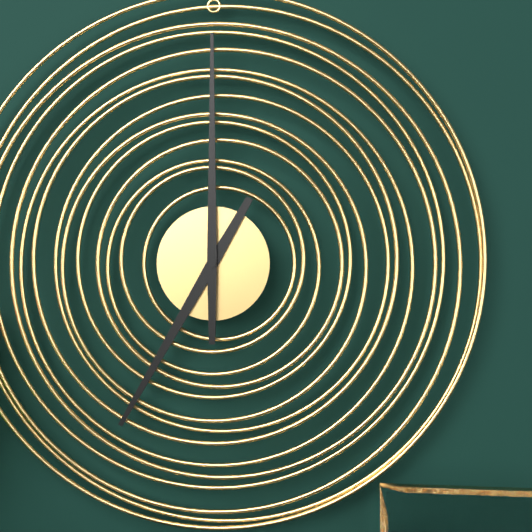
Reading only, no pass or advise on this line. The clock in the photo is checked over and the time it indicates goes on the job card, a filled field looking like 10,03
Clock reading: 7,00
